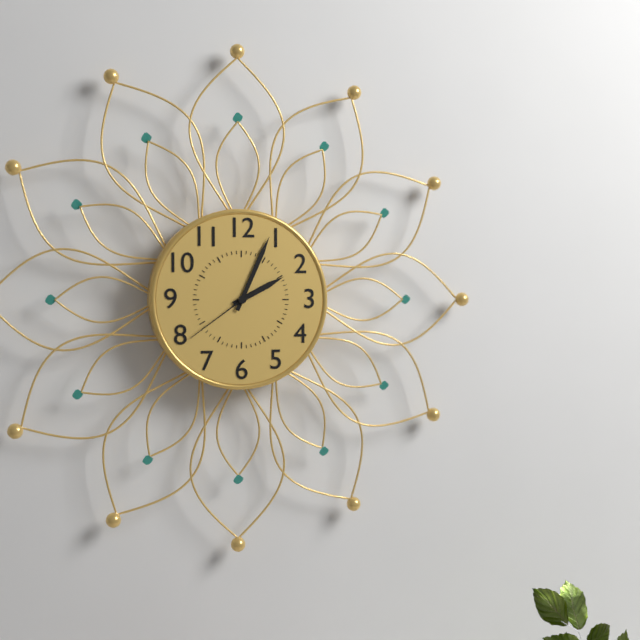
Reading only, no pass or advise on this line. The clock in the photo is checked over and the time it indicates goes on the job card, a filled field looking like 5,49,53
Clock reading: 2,04,39
